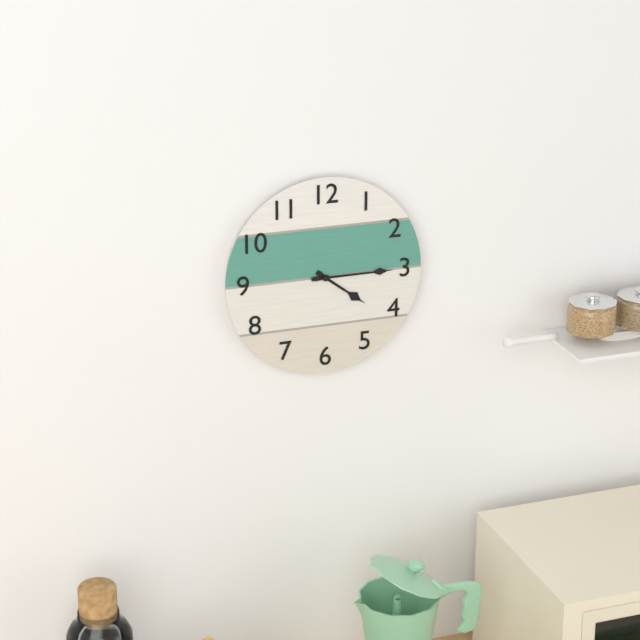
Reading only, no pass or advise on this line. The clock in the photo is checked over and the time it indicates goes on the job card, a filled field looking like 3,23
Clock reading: 4,15
